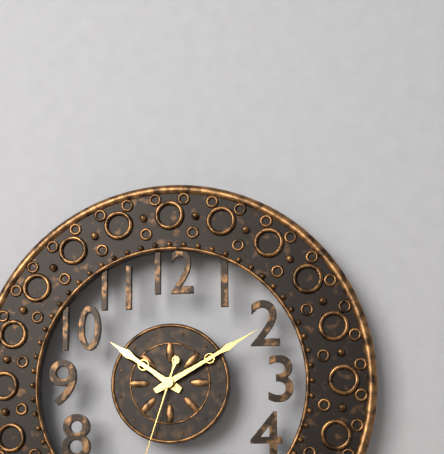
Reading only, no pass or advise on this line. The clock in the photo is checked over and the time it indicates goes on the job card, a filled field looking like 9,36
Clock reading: 10,10
